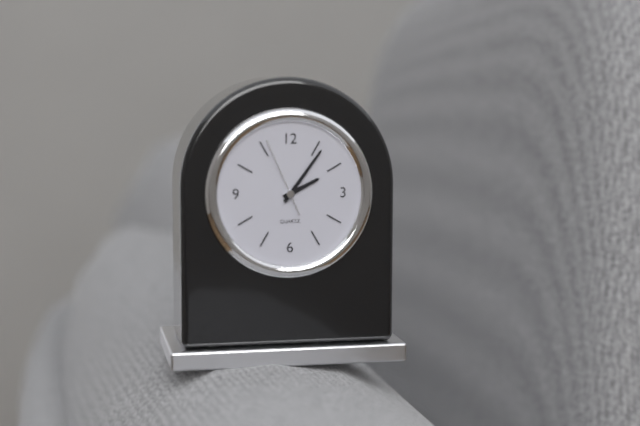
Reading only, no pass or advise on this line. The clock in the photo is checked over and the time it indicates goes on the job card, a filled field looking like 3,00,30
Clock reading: 2,06,56
